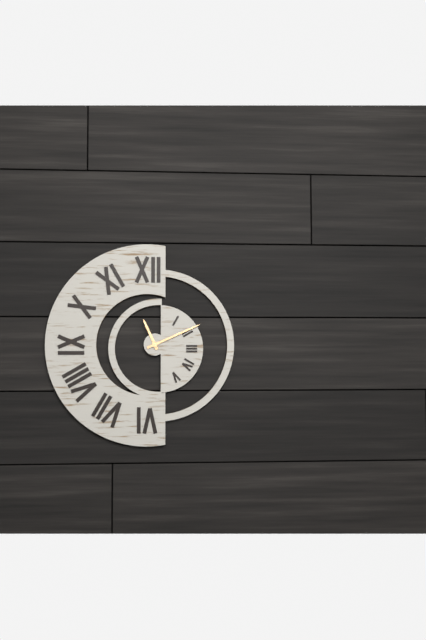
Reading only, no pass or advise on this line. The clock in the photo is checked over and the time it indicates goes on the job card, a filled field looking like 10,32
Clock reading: 11,11
